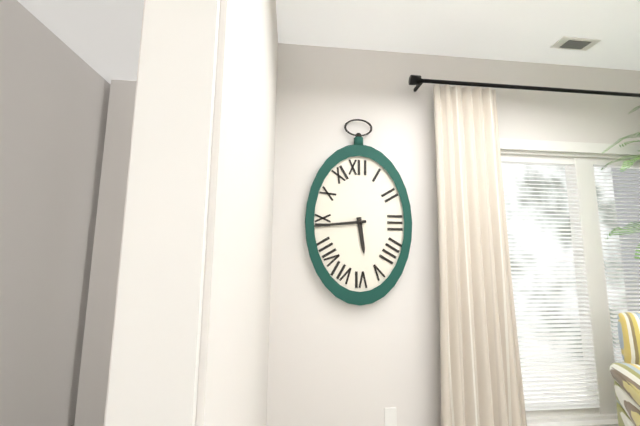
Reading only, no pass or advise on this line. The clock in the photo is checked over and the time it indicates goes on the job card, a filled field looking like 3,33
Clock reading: 5,44
